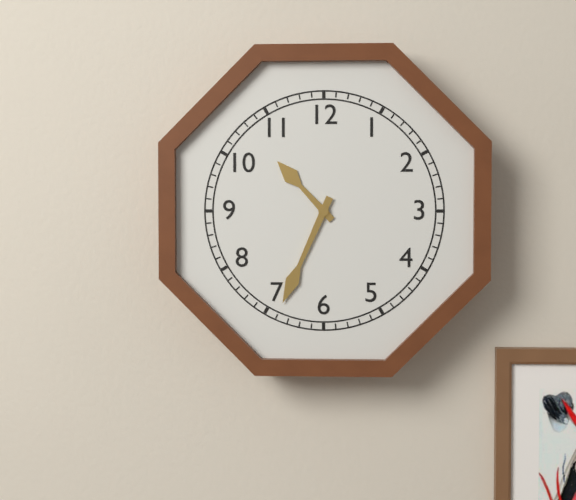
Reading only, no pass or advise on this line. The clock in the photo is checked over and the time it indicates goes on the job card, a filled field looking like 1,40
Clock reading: 10,34
